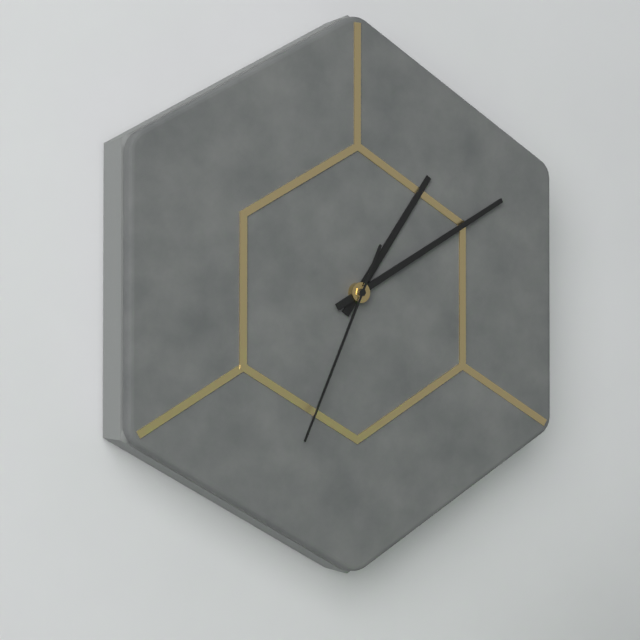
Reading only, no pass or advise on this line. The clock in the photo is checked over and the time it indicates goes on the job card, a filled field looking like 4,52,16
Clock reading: 1,10,34
